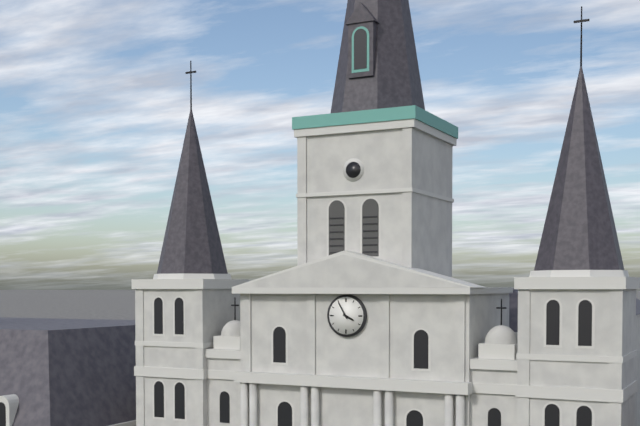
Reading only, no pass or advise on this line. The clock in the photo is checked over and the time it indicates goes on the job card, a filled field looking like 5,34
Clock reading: 3,55
